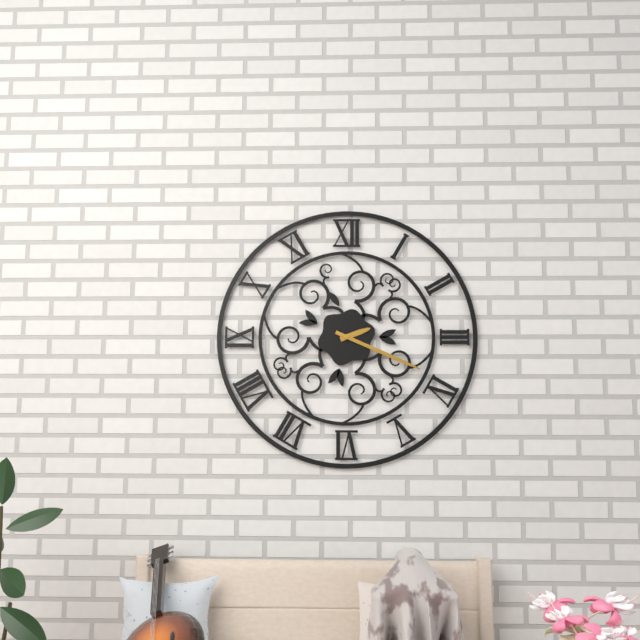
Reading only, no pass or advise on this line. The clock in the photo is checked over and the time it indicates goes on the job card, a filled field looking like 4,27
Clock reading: 2,19
